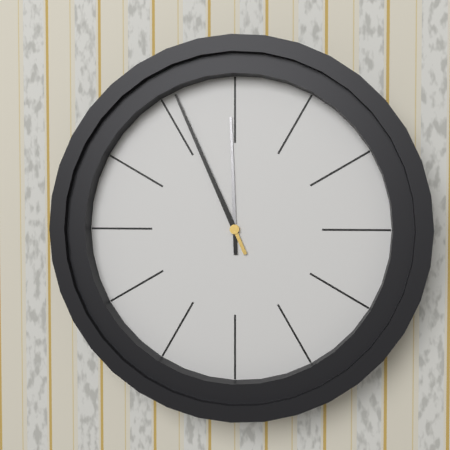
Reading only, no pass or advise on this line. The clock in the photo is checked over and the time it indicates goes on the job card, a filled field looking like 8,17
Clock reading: 11,56
